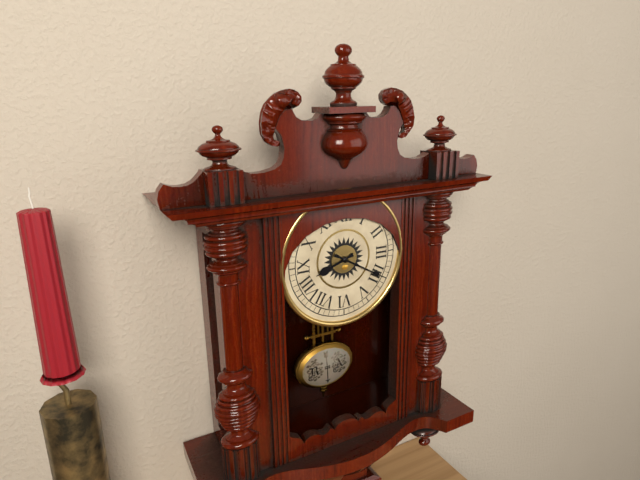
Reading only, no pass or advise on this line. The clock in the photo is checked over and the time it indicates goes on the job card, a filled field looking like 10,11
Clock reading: 8,20
